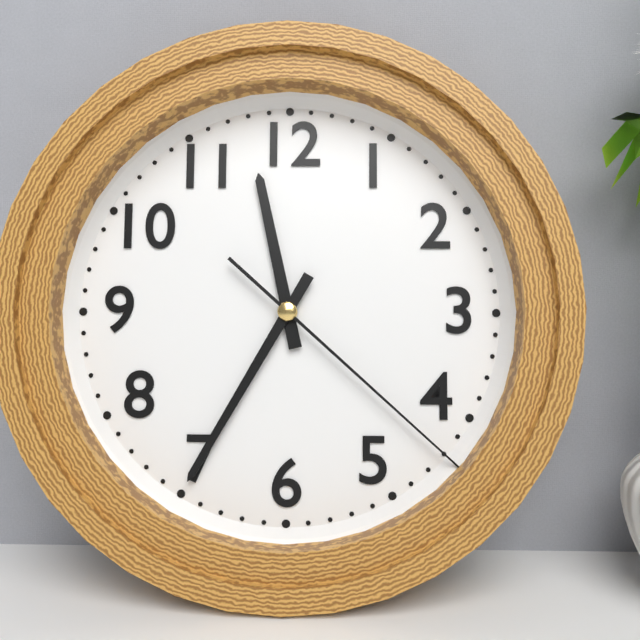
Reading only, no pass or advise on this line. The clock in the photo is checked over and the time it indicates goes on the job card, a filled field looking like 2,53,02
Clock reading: 11,35,22
